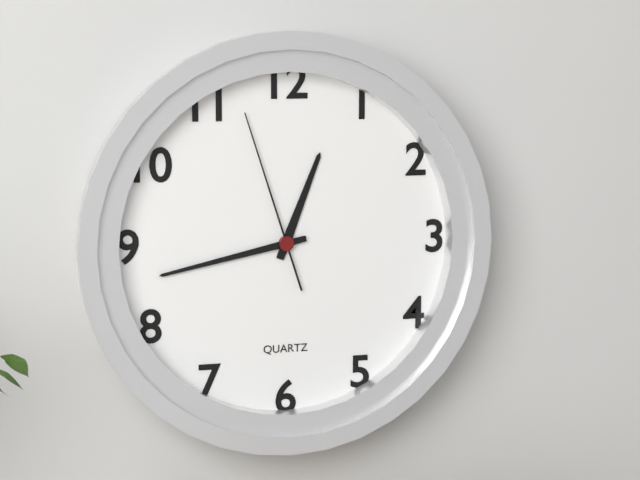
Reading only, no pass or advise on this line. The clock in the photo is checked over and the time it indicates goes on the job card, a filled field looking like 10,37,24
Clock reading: 12,43,57
